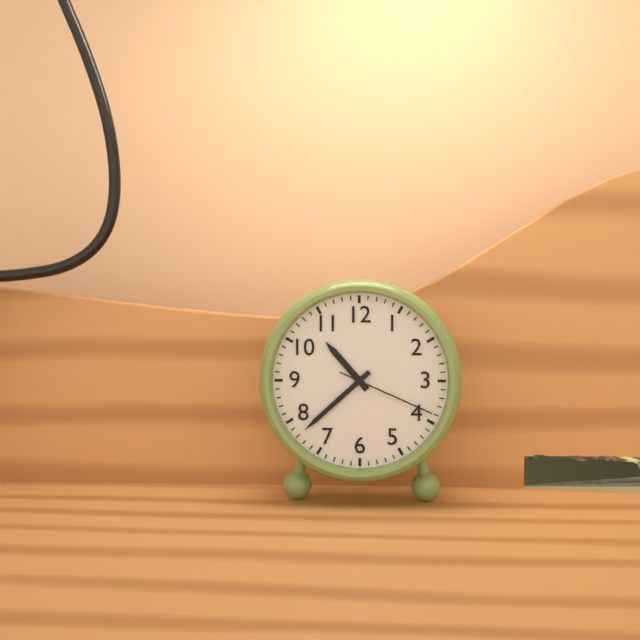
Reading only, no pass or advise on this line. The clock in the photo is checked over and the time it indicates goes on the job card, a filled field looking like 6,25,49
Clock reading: 10,38,19
